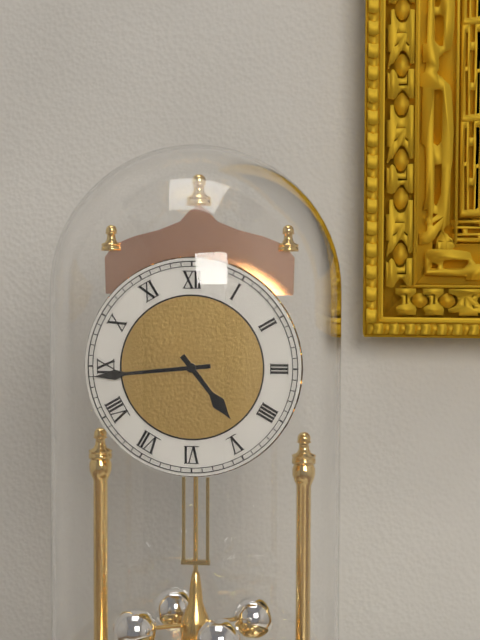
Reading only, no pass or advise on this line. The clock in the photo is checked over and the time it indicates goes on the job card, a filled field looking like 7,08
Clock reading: 4,44
